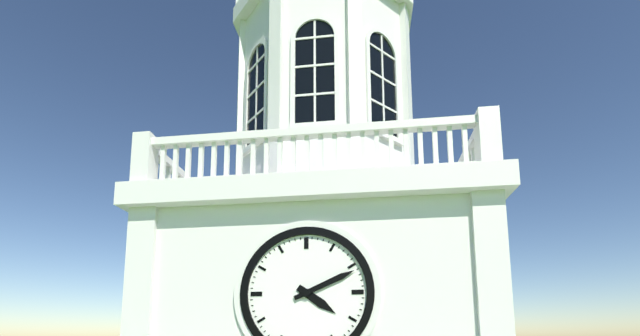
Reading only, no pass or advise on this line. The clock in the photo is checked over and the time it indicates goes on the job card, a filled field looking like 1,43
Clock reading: 4,11
